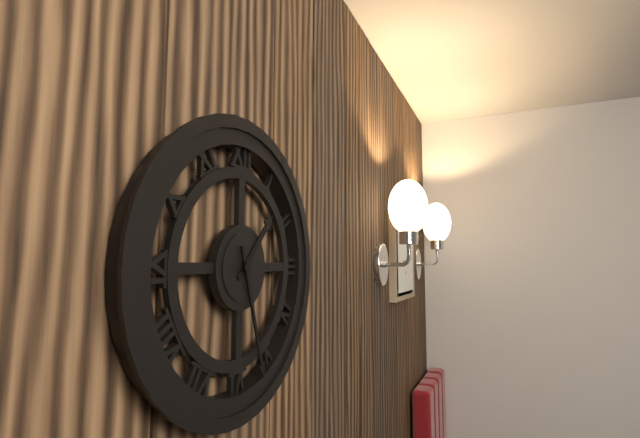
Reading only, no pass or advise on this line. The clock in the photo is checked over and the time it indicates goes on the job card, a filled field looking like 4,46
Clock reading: 1,27
